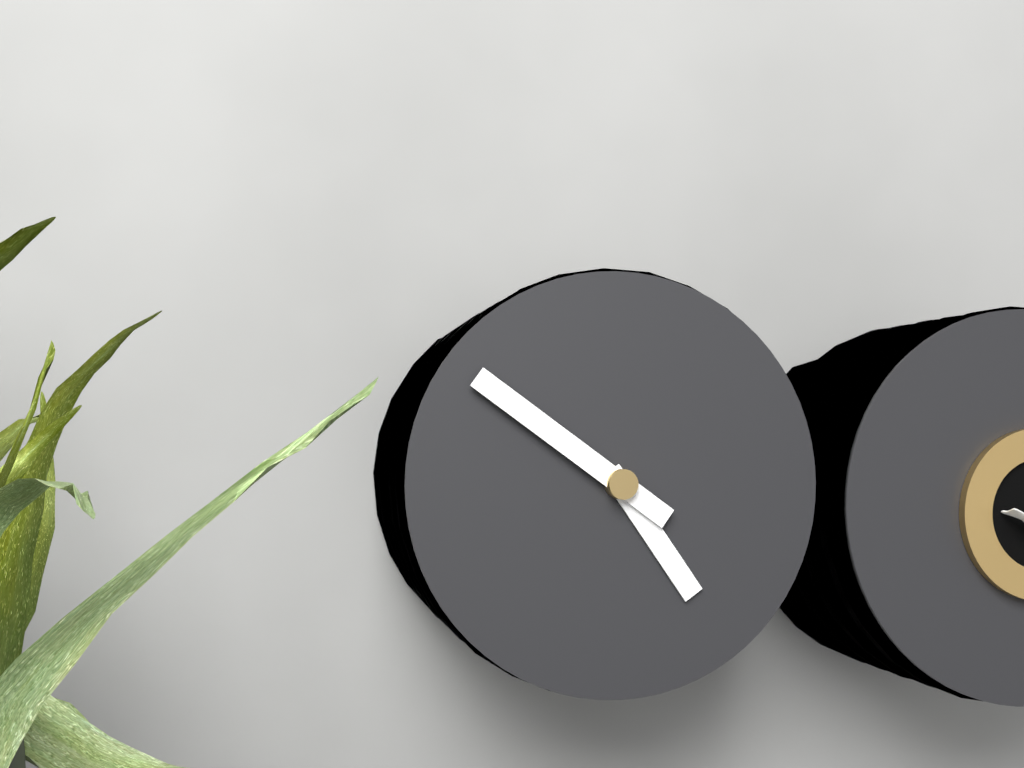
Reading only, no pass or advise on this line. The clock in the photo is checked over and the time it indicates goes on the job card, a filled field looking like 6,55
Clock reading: 4,51
